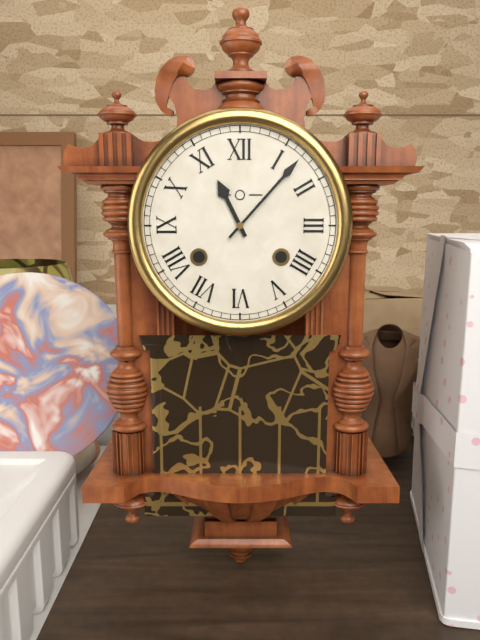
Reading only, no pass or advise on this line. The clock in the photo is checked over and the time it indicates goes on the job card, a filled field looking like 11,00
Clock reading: 11,07
